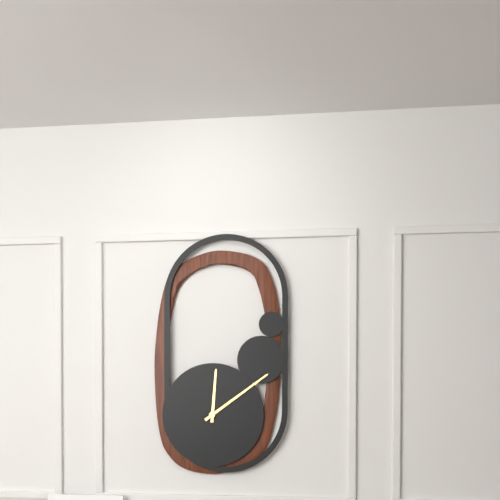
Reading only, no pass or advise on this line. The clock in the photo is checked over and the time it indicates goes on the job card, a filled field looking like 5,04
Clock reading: 12,09
